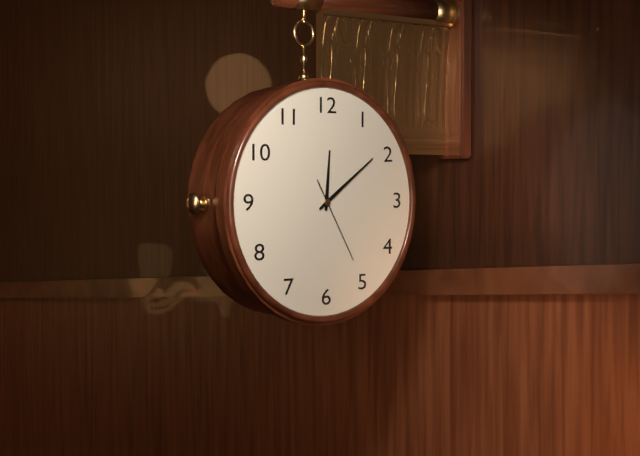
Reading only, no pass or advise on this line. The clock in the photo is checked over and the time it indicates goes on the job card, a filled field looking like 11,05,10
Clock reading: 12,09,25
